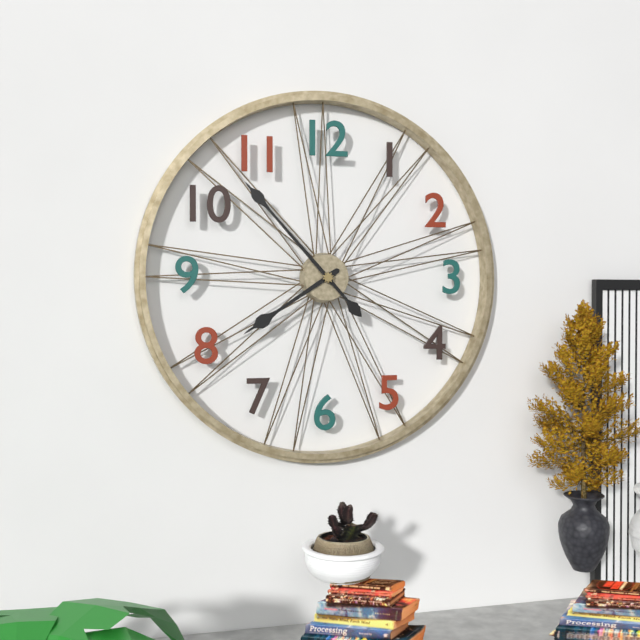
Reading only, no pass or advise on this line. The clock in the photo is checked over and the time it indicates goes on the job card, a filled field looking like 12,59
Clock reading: 7,53
